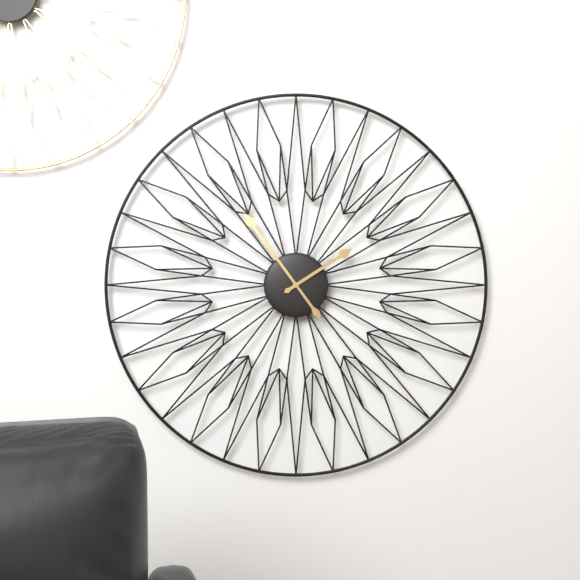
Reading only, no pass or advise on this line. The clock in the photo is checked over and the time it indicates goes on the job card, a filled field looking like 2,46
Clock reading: 1,54
